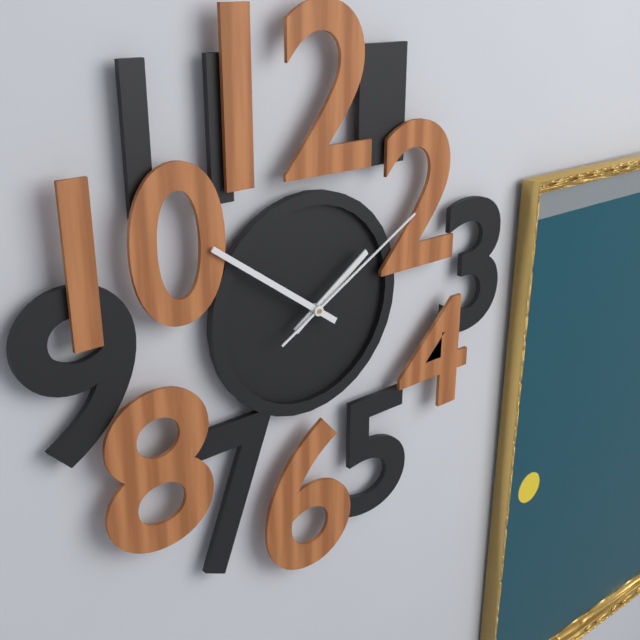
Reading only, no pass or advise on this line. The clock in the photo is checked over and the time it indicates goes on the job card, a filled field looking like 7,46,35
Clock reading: 1,51,10
